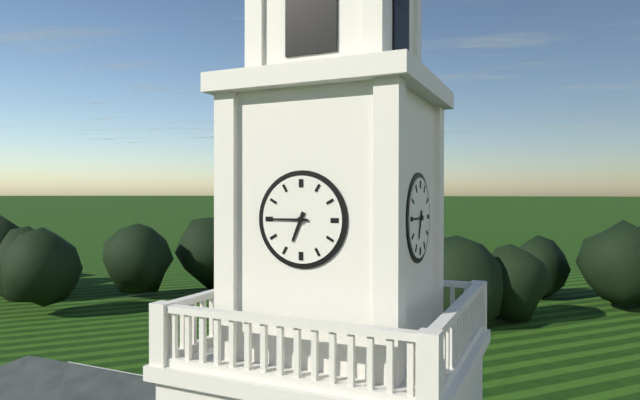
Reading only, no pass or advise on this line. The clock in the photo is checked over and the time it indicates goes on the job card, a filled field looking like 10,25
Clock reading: 6,45
